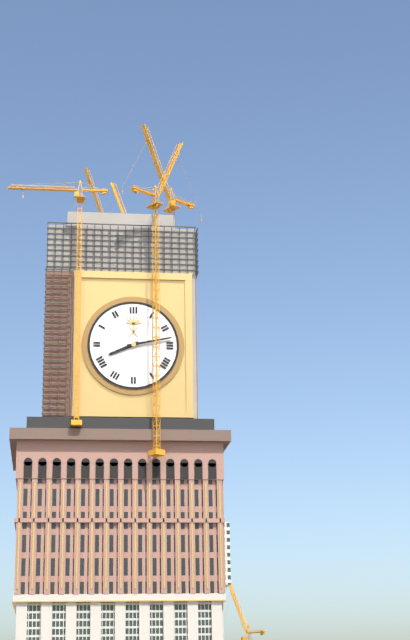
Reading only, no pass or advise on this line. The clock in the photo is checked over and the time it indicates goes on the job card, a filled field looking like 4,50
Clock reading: 8,13
